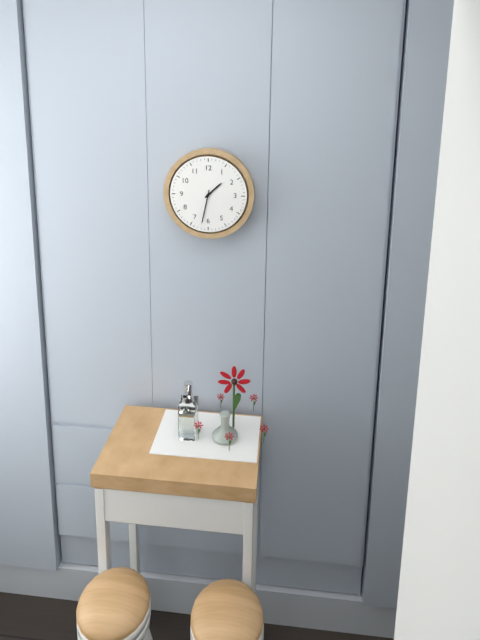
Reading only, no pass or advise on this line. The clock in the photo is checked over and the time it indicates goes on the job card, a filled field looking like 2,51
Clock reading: 1,32
